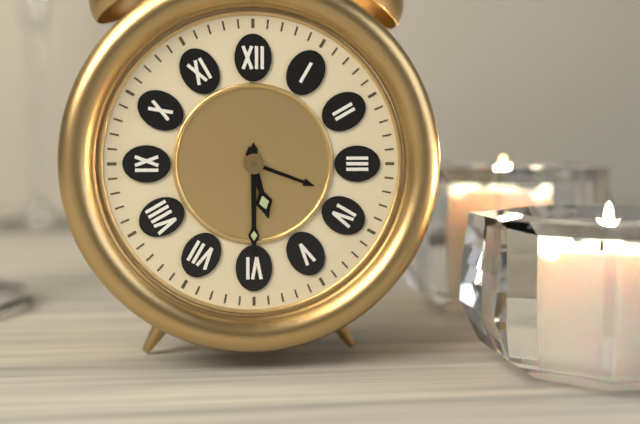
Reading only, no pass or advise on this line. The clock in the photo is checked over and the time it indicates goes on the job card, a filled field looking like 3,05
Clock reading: 5,30
